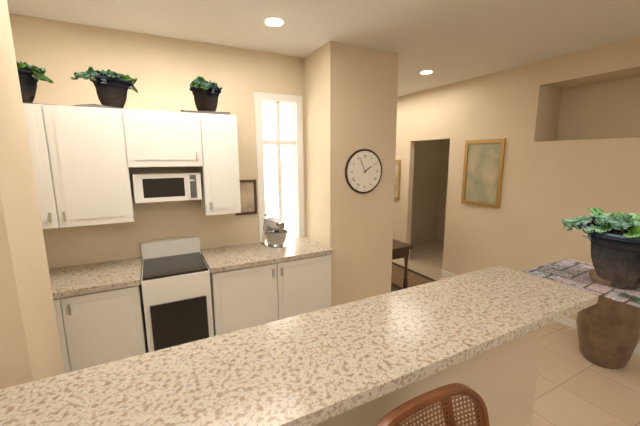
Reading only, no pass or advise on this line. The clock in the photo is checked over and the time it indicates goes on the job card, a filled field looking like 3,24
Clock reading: 1,56
